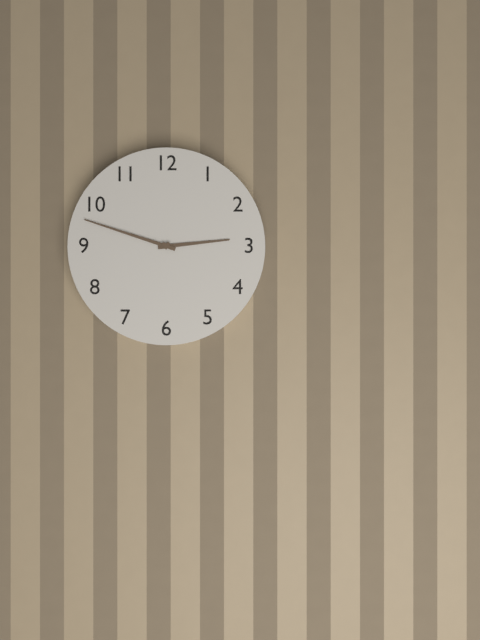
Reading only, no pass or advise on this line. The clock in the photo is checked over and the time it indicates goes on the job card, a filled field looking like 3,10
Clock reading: 2,48
